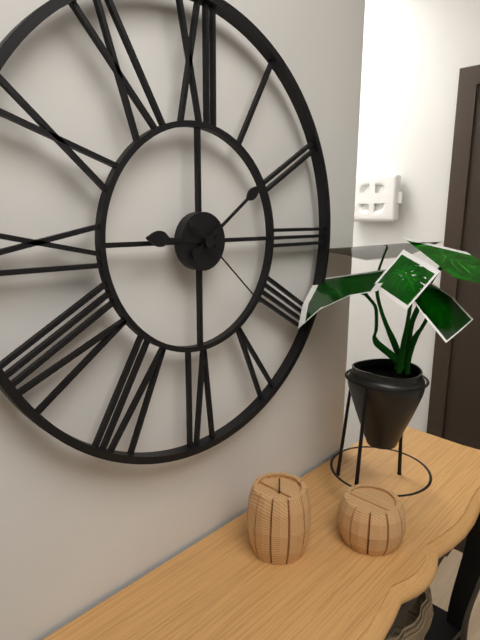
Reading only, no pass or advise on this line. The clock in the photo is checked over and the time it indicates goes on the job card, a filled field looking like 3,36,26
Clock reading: 9,09,22
